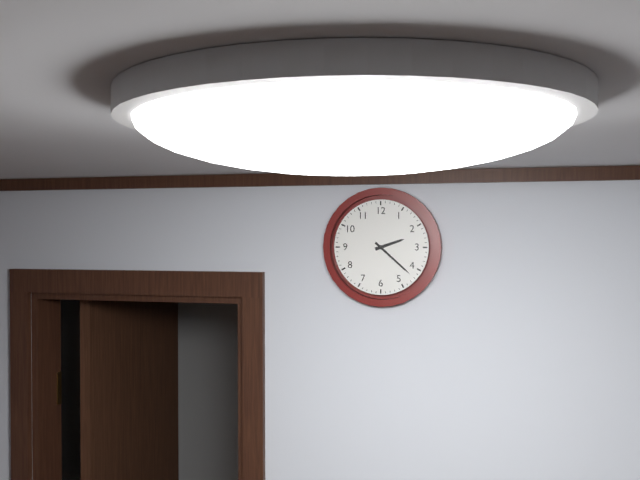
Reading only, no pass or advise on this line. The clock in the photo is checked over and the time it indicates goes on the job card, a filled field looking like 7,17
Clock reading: 2,22
